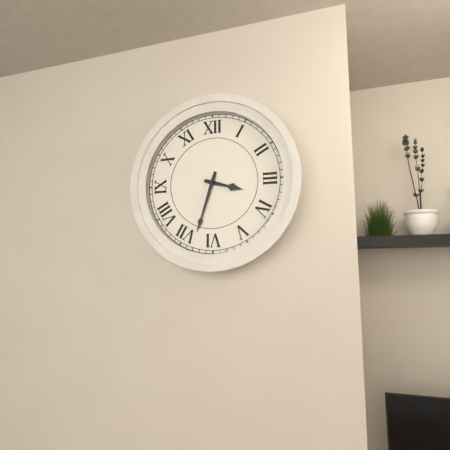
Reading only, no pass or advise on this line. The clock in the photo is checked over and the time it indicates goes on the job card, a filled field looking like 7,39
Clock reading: 3,33
